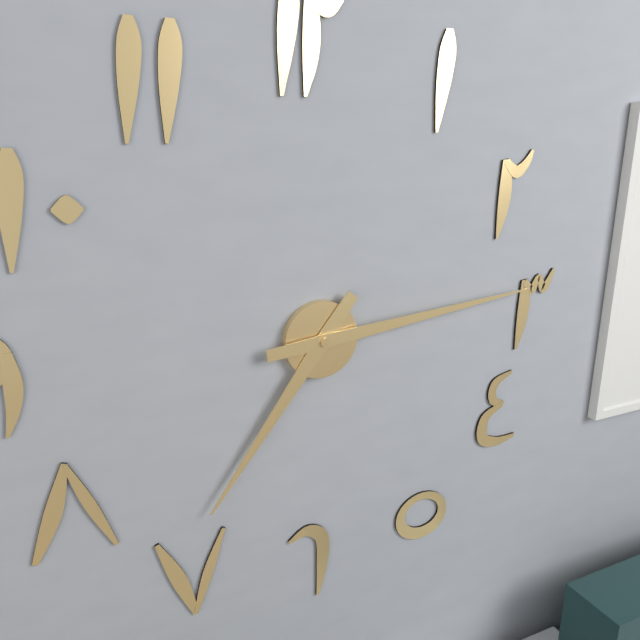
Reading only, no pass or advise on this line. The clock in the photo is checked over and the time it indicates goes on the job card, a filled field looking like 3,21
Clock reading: 7,14
